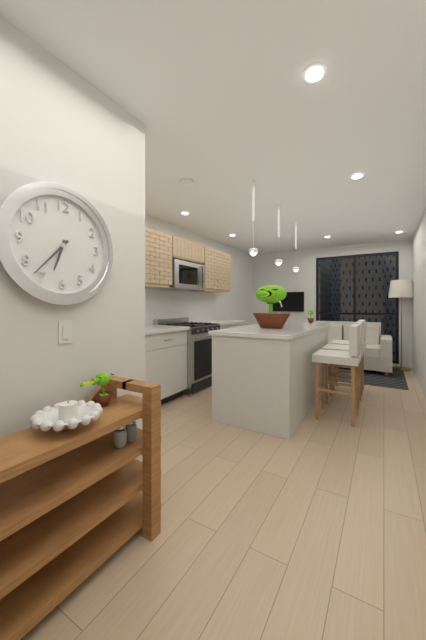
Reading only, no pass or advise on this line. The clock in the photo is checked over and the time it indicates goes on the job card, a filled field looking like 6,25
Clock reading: 6,37
